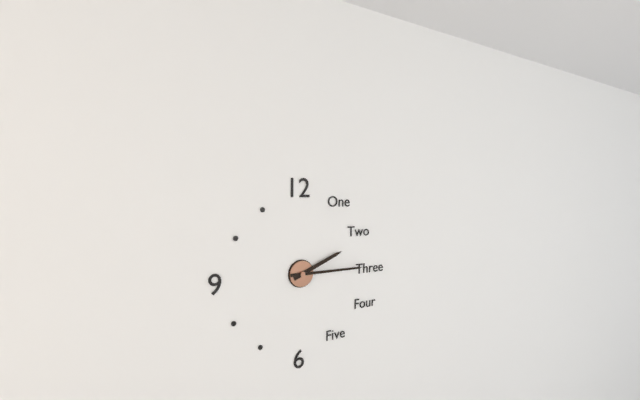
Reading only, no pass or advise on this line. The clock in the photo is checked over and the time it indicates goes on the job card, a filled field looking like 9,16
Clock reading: 2,15
